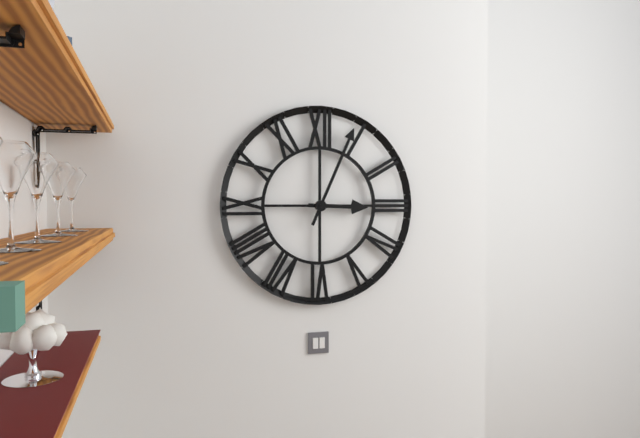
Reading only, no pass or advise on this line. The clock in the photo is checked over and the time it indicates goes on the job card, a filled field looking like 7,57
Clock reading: 3,04
